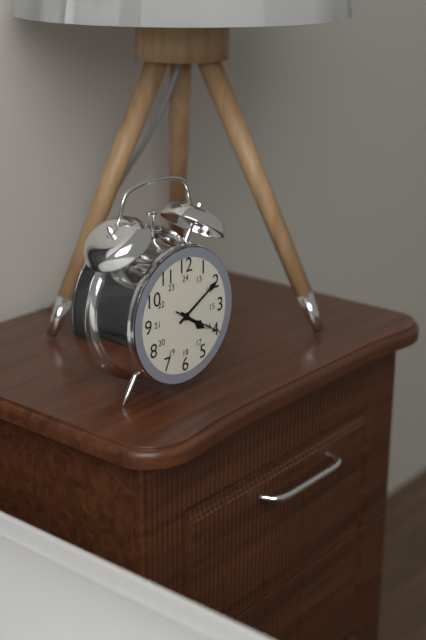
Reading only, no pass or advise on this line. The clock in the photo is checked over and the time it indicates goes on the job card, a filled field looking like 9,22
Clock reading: 4,10
